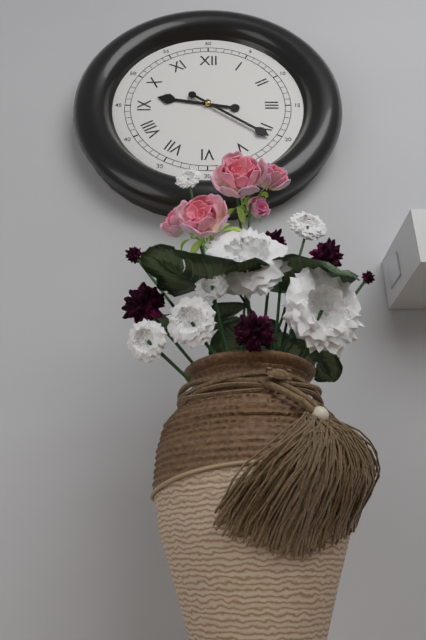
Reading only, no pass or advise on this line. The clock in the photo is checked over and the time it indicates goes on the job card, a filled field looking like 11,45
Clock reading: 9,21
